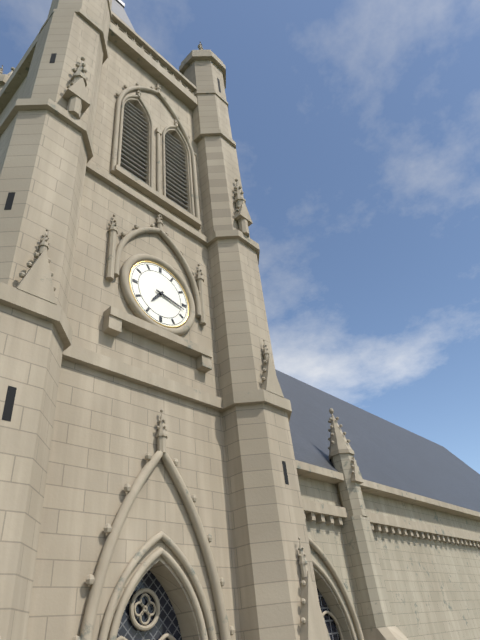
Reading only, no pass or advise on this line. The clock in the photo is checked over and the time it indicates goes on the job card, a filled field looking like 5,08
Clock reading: 7,17
